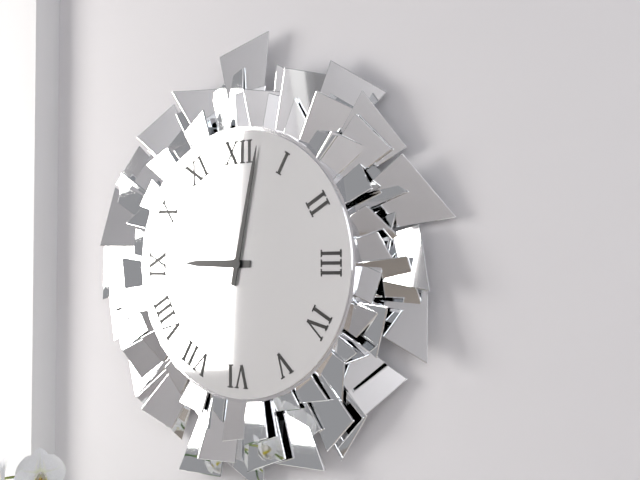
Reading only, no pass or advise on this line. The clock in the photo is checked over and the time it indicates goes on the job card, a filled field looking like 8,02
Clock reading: 9,02
